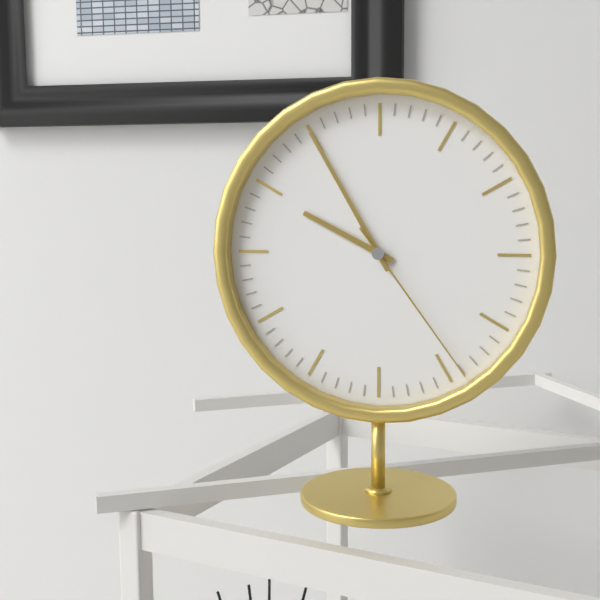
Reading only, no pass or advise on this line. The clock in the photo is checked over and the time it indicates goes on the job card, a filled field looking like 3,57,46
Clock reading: 9,55,24
